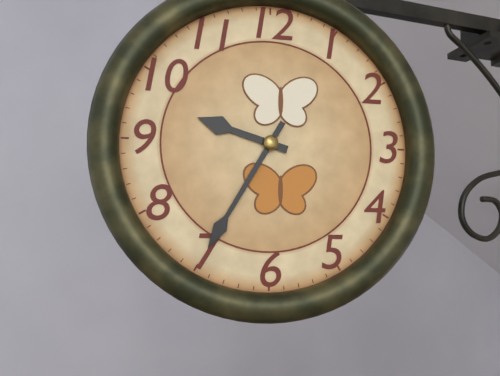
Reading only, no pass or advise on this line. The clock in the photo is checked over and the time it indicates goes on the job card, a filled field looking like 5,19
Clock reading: 9,35
